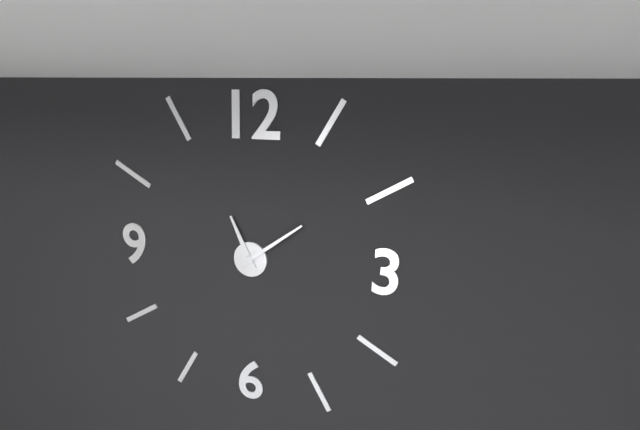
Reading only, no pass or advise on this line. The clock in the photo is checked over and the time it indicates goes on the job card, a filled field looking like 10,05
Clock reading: 11,09
